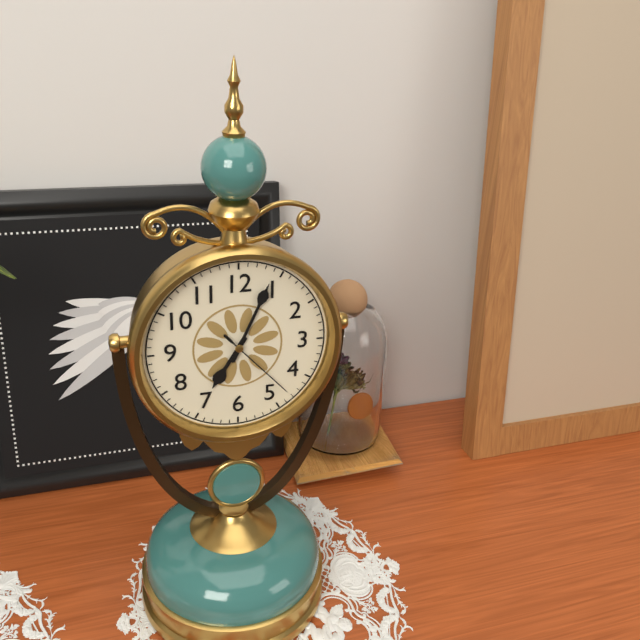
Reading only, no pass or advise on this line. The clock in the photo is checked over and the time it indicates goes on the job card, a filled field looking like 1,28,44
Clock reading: 7,04,23
